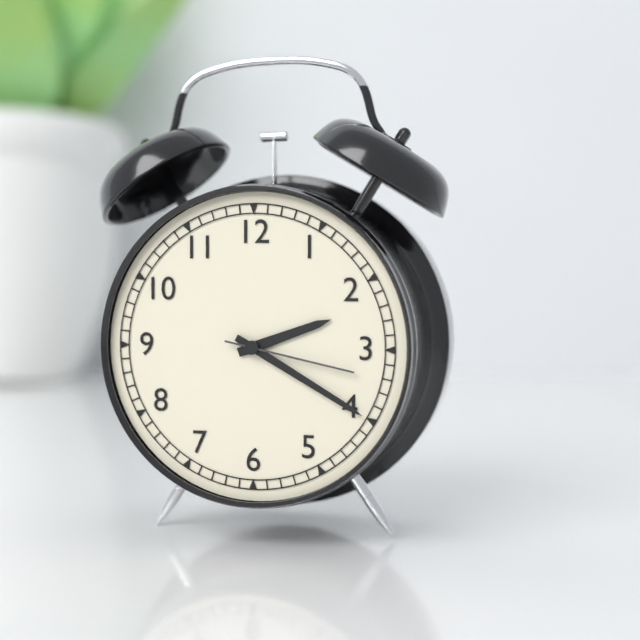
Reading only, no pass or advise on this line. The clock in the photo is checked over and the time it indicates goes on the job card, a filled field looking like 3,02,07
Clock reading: 2,20,17
